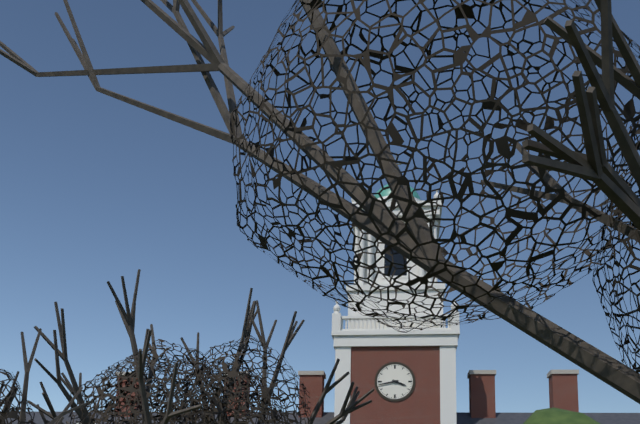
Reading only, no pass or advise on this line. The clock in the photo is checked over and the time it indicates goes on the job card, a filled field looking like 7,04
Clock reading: 3,43
